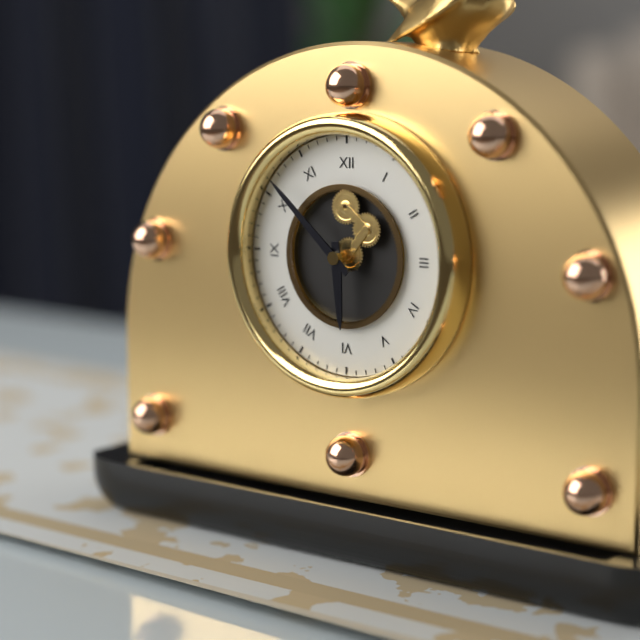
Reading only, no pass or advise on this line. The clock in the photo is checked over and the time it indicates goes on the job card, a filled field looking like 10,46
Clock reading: 5,52
